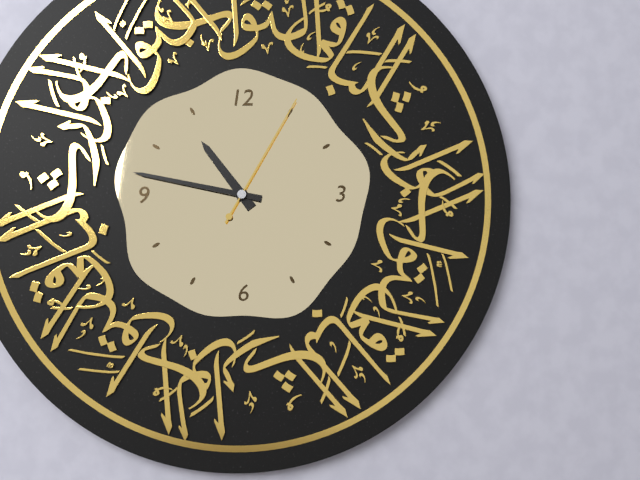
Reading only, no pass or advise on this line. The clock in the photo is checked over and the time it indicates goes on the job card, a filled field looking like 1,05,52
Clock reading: 10,47,05
